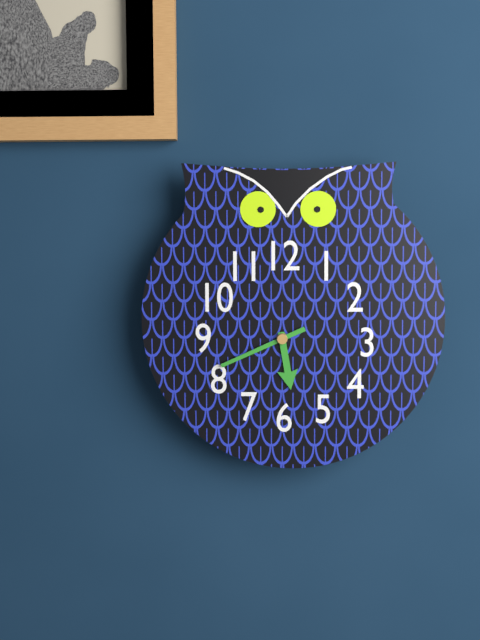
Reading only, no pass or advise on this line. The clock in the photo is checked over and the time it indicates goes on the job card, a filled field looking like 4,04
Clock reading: 5,41
